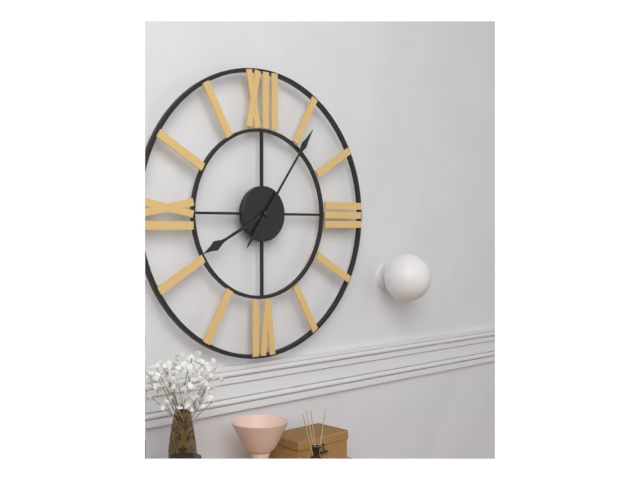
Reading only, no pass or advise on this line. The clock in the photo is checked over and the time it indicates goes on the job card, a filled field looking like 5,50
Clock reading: 8,06
